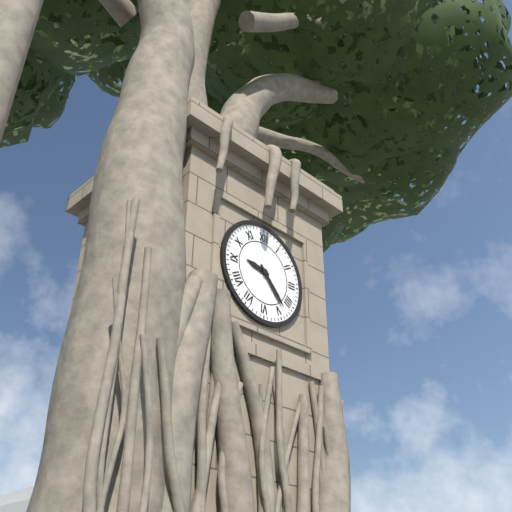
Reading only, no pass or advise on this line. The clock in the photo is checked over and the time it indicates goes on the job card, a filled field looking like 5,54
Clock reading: 9,23
